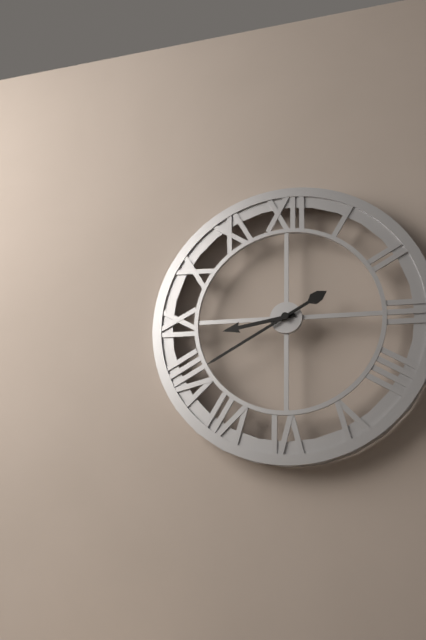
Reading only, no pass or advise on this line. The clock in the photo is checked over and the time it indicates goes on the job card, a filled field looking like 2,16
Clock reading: 8,40
